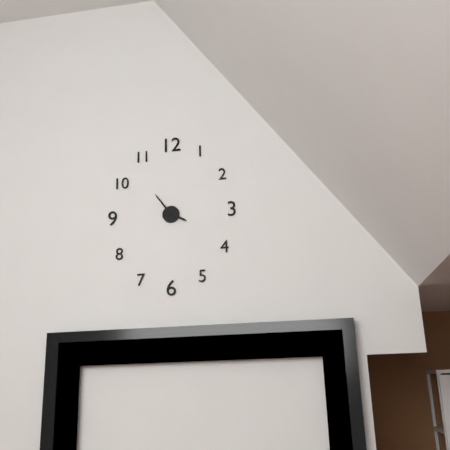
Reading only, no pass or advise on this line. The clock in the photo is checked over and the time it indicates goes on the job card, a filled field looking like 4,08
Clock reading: 3,54
